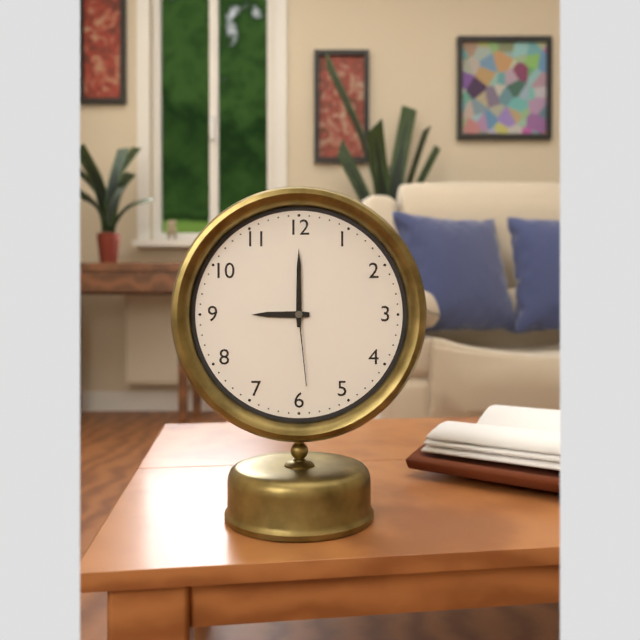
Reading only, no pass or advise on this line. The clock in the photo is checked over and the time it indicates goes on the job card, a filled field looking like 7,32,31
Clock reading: 9,00,29
